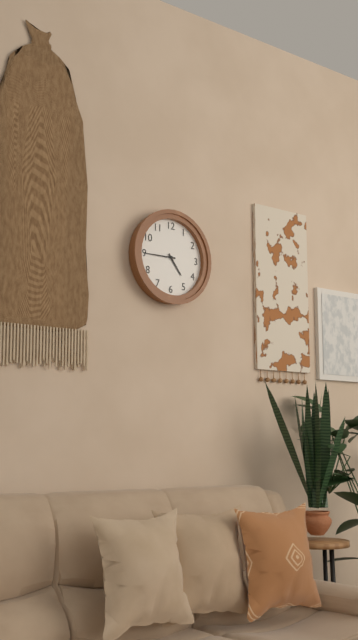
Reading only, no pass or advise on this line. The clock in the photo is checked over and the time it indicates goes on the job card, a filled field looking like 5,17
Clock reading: 4,45
